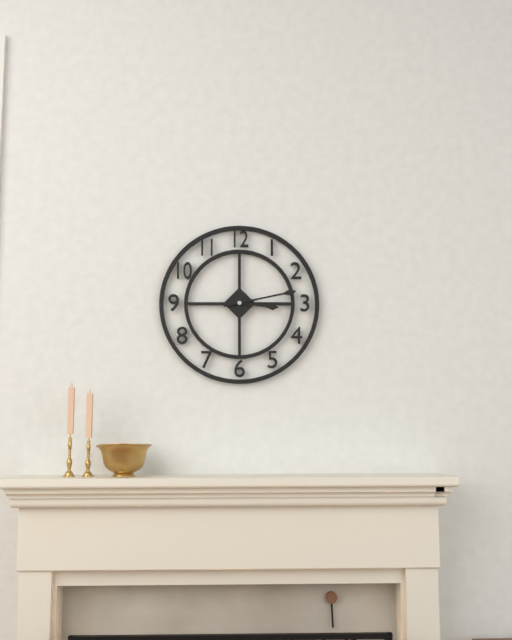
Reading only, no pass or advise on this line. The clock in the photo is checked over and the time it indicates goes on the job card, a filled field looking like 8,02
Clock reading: 3,13
